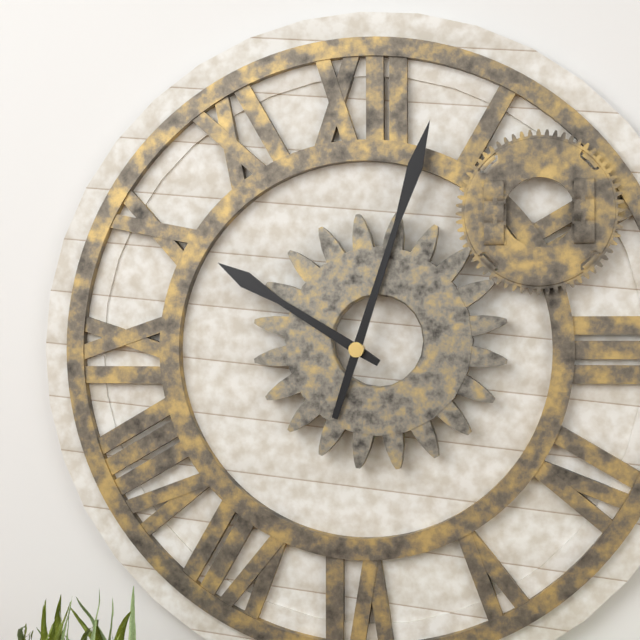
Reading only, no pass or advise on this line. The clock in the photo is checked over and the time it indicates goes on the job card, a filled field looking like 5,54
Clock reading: 10,03
